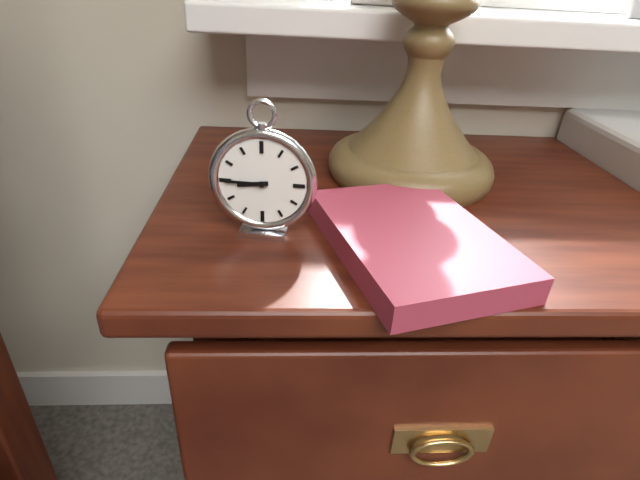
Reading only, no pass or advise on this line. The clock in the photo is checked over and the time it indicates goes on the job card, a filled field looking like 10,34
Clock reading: 8,45
